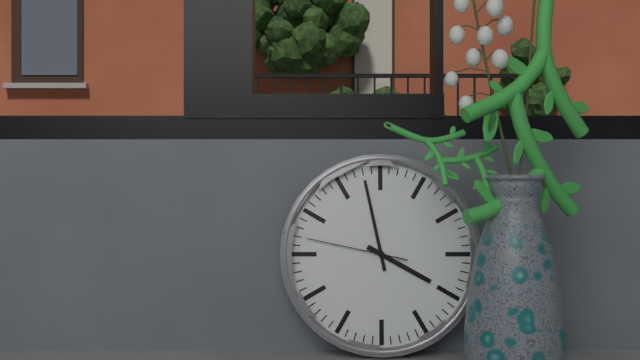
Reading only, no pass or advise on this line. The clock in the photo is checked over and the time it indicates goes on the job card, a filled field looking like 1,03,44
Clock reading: 3,58,47
